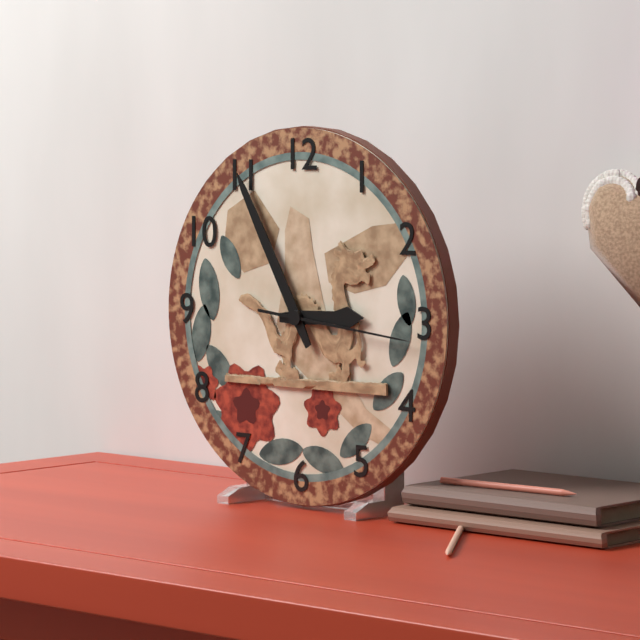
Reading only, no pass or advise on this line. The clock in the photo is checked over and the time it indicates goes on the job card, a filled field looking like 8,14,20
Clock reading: 2,55,16
